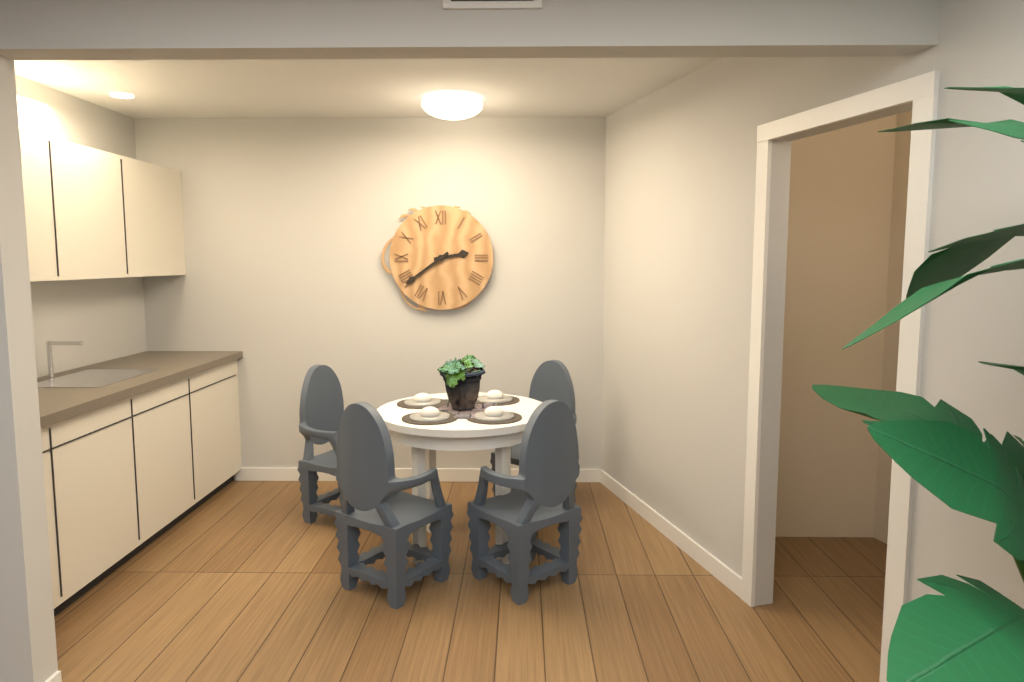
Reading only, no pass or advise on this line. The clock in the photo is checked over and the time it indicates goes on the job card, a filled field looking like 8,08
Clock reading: 2,39
